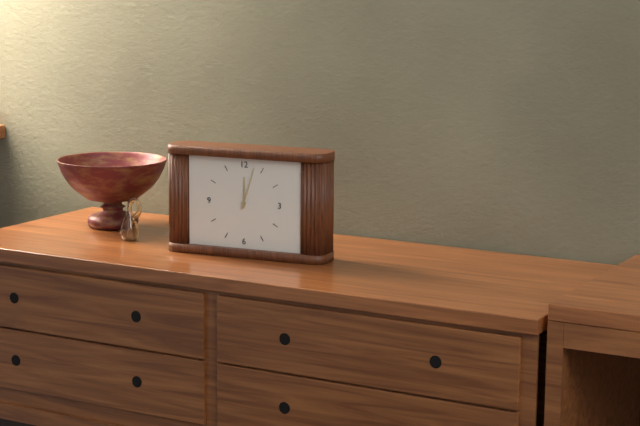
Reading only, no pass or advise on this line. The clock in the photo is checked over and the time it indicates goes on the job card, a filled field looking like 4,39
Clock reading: 12,03
